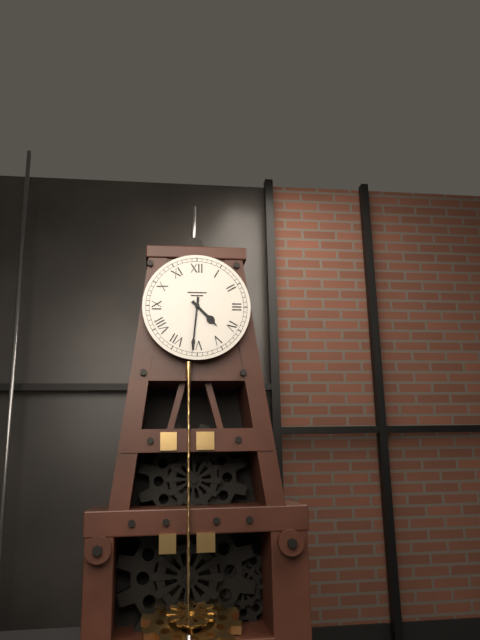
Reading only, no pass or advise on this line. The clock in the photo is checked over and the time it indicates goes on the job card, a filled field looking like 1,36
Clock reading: 4,31
